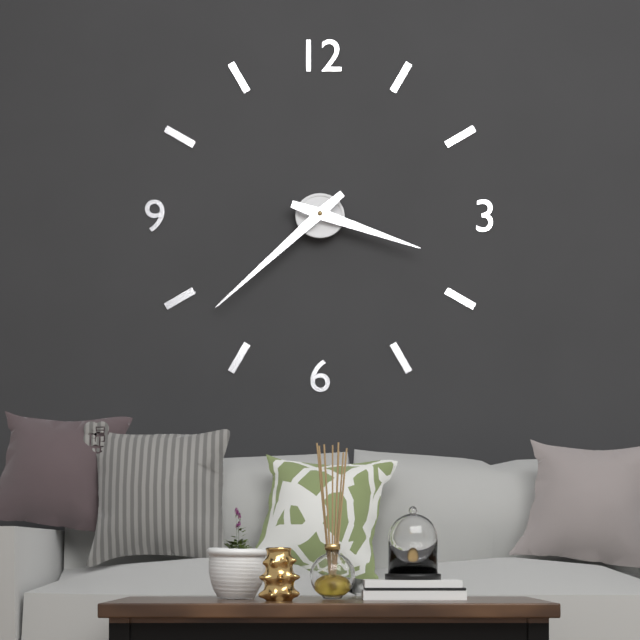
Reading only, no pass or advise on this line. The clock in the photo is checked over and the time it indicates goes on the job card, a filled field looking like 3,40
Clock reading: 3,38
